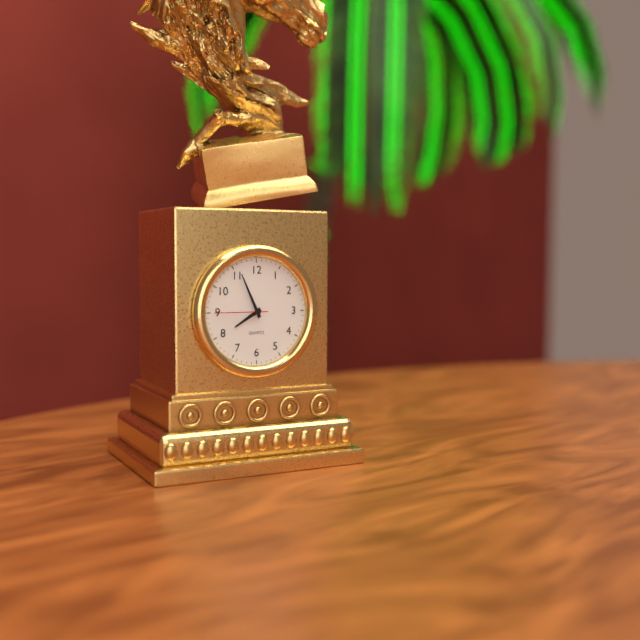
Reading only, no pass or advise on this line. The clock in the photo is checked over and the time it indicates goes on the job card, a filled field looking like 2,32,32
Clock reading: 7,56,45
